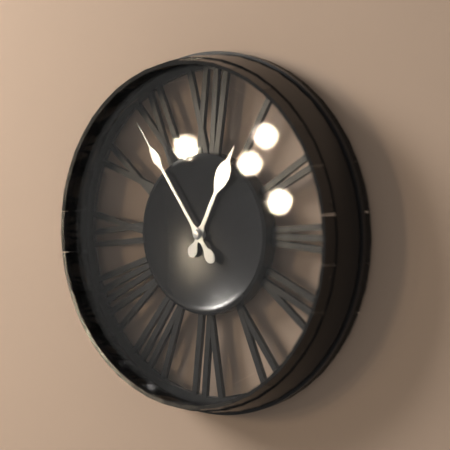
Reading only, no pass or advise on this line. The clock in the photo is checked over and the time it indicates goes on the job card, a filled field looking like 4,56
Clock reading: 12,54
